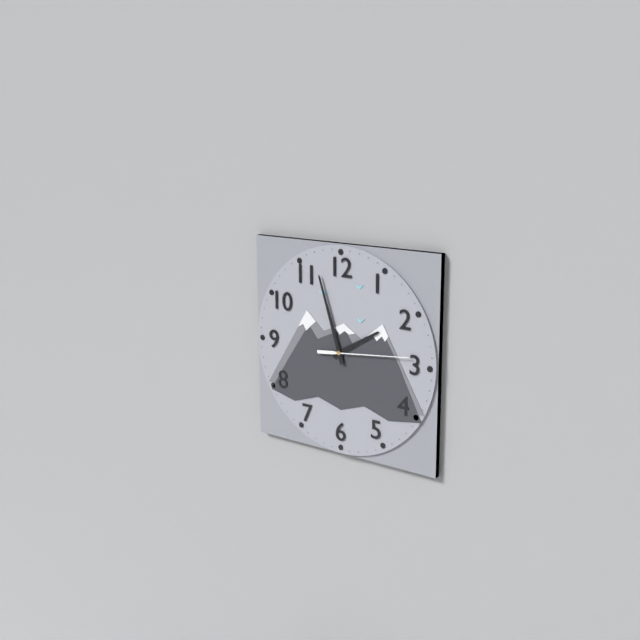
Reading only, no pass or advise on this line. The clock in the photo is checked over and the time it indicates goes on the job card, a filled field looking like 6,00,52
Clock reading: 1,57,14
